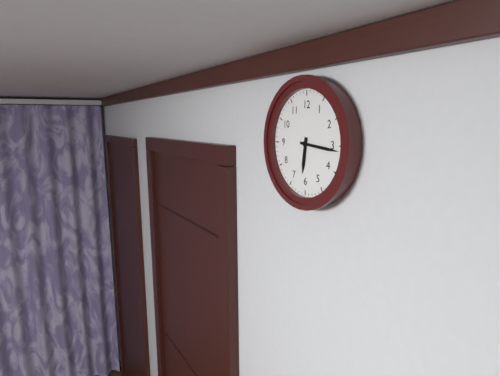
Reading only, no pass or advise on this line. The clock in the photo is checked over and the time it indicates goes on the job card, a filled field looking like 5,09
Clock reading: 6,16
